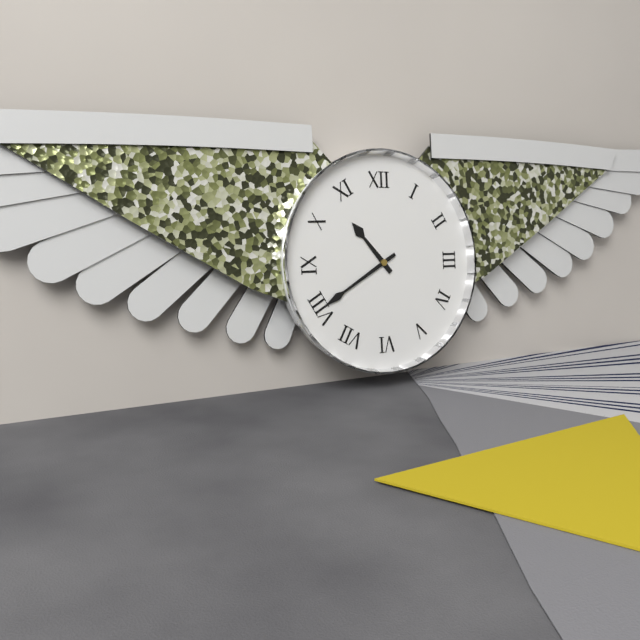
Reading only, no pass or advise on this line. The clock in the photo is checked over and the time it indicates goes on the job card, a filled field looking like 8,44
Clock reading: 10,40
